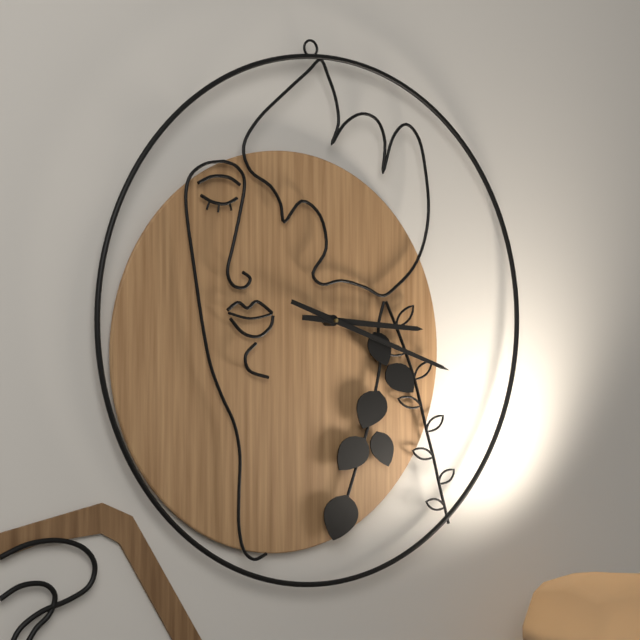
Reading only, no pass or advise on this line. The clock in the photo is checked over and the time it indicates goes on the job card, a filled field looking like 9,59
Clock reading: 3,19
